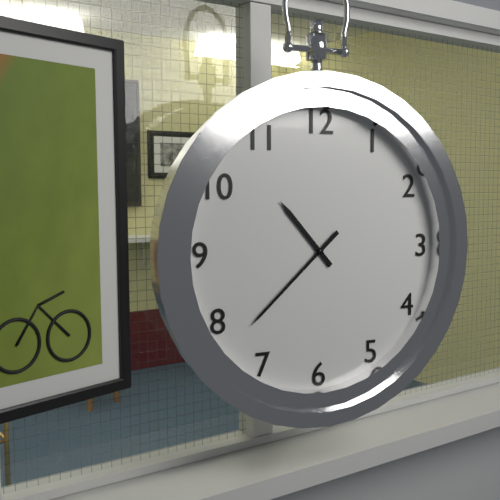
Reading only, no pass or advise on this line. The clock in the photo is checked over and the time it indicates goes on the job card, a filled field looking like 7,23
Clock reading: 10,38
